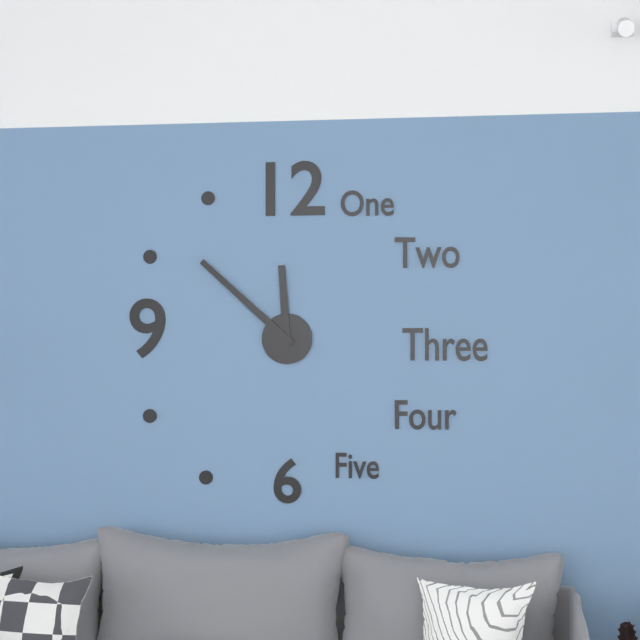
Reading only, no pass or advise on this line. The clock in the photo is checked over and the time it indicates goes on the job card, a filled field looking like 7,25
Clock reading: 11,52
